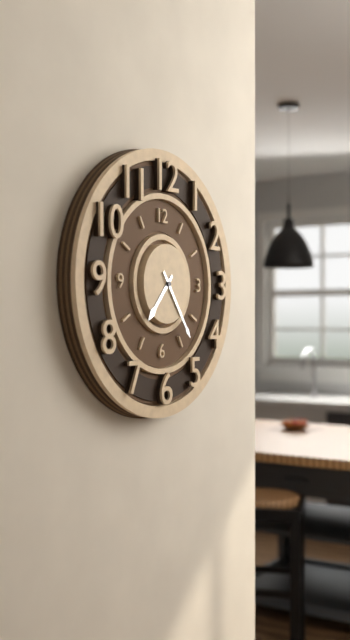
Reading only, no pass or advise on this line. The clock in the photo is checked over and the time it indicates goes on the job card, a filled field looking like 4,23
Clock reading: 7,24
